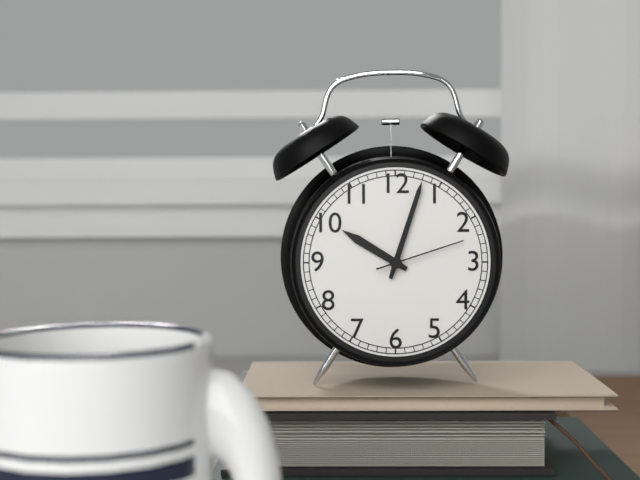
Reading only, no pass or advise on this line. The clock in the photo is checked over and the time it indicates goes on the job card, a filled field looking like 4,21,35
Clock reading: 10,03,12
